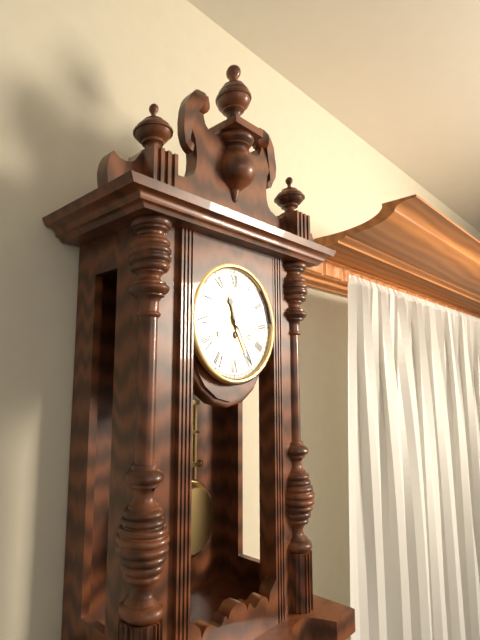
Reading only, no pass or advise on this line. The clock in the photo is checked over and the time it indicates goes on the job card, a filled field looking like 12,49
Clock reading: 11,25
